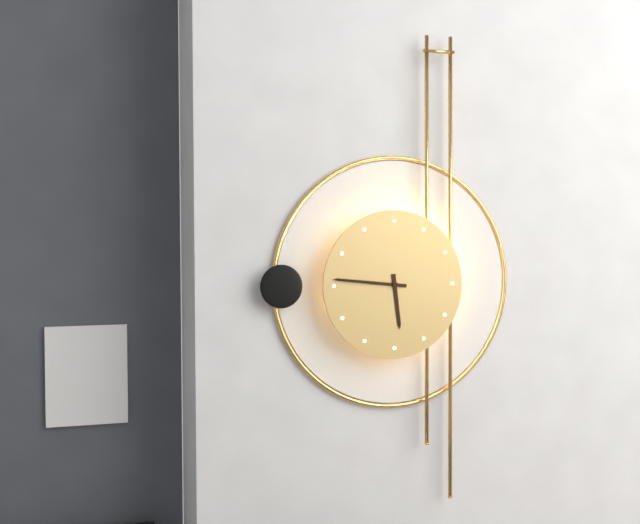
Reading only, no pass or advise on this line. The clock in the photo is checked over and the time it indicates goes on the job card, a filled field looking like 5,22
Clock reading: 5,46
